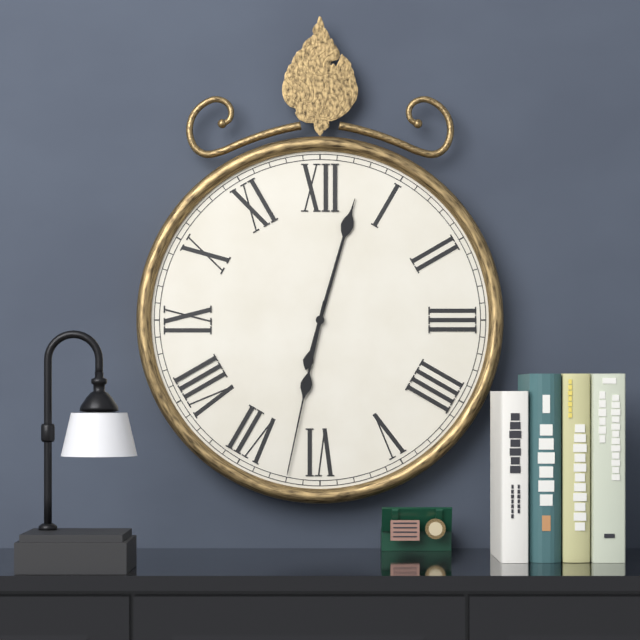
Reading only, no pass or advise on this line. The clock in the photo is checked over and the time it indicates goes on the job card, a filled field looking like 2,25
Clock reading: 12,32
